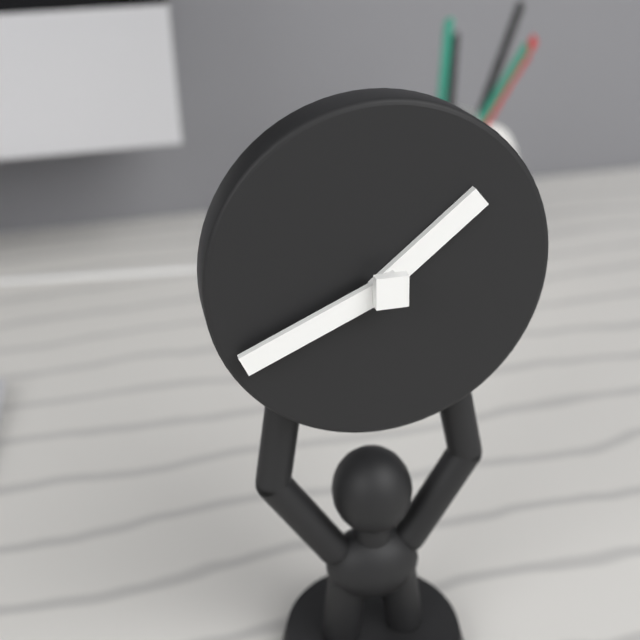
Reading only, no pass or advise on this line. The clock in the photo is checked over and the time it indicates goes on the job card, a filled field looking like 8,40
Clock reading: 1,41
